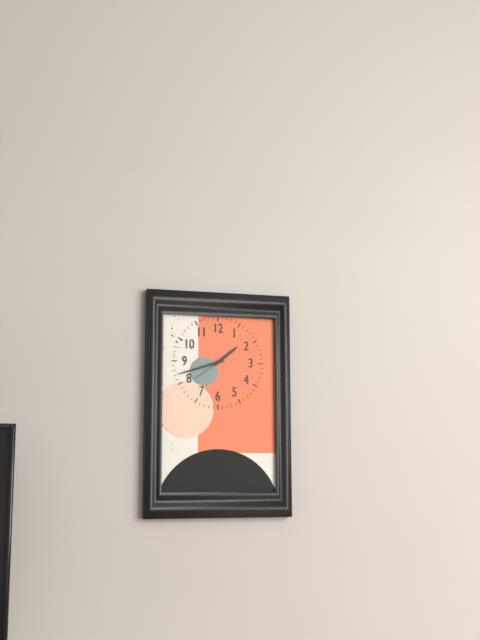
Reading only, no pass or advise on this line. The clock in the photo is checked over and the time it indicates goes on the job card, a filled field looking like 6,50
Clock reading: 1,42
